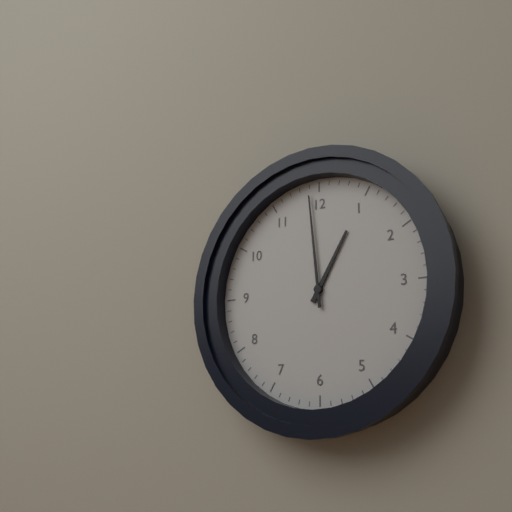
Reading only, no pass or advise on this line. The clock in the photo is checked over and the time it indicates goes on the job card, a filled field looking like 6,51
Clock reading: 12,59
